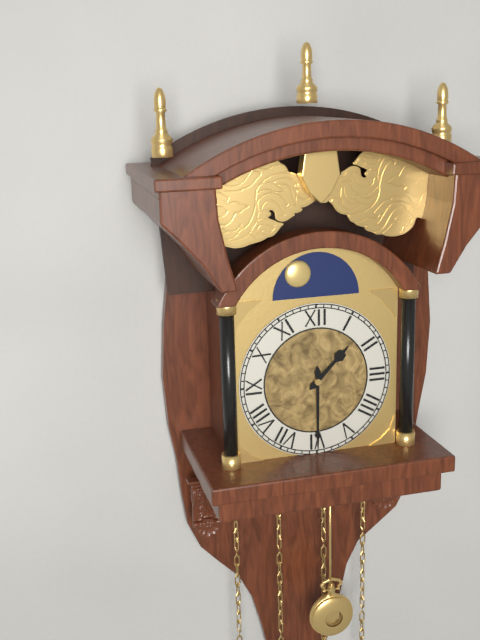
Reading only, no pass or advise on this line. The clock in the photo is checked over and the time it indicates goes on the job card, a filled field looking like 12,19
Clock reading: 1,30
